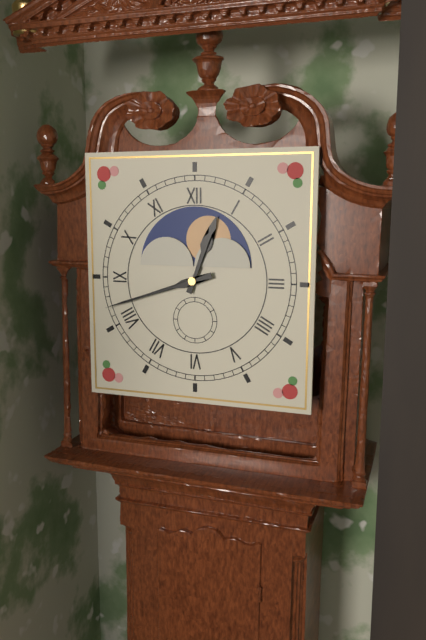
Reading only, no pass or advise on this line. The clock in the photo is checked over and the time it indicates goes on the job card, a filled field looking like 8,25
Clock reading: 12,42
